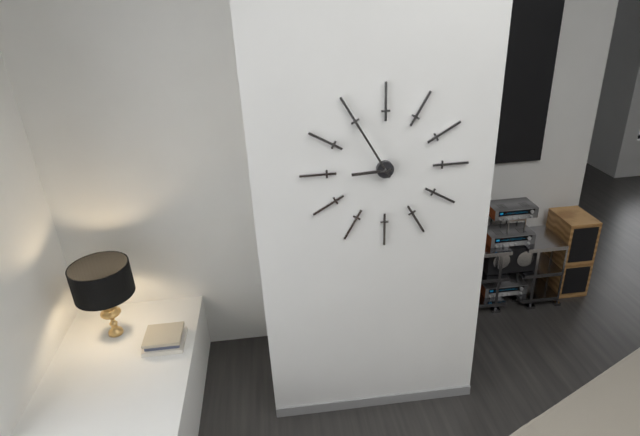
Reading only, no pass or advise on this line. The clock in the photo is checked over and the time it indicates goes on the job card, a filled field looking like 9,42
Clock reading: 8,55
